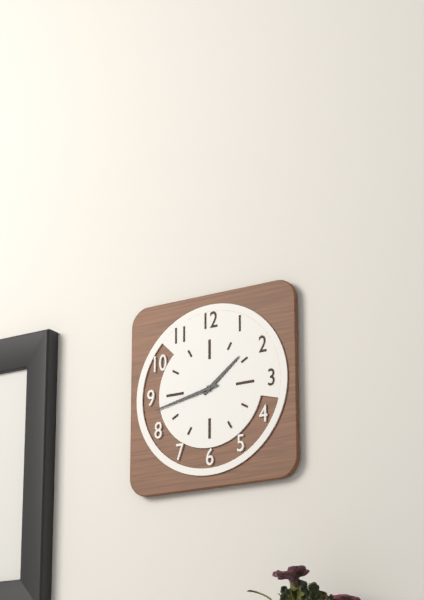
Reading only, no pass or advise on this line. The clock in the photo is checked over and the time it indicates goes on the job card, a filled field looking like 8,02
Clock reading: 1,43
